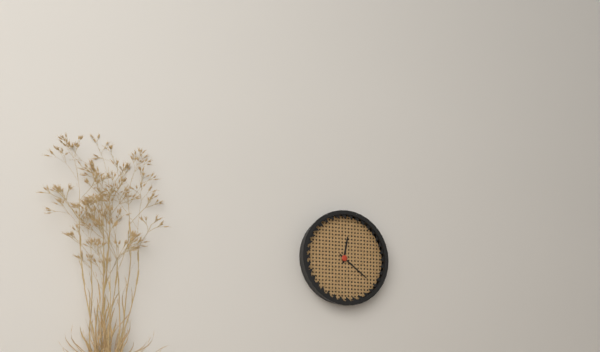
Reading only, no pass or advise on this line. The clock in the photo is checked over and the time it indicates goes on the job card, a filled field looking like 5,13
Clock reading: 12,21
